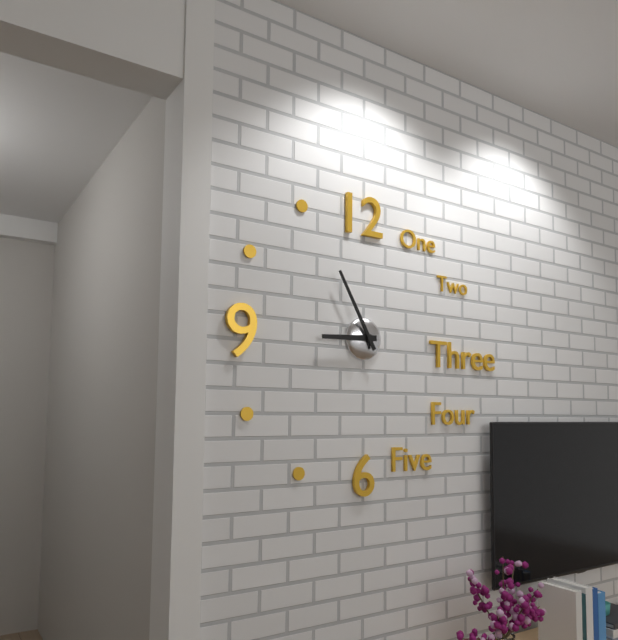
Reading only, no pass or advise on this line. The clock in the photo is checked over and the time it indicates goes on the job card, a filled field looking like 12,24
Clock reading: 8,55
